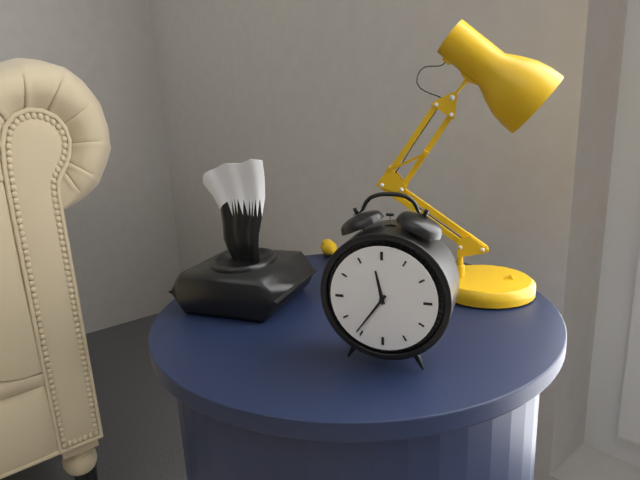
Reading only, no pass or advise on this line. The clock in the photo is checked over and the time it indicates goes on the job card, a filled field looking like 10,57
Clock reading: 11,36
